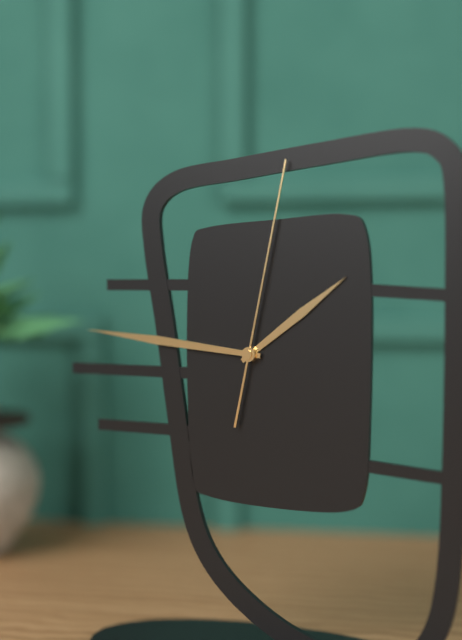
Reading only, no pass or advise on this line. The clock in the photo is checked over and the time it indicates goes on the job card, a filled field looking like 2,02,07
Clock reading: 1,46,02
